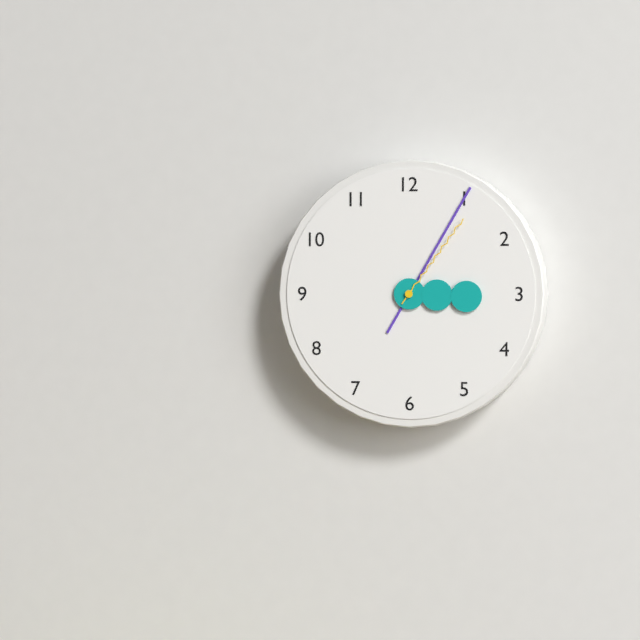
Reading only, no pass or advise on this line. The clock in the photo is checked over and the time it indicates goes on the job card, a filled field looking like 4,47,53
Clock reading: 3,05,06
